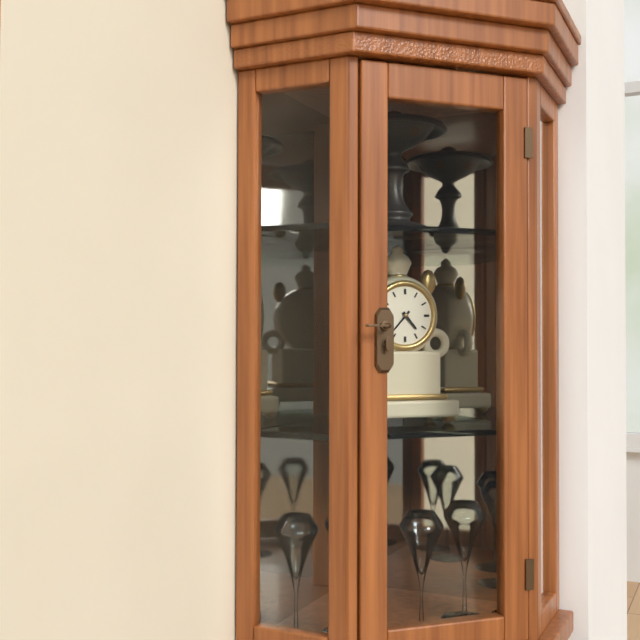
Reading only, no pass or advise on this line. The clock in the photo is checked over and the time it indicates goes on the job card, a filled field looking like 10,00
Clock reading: 4,37
